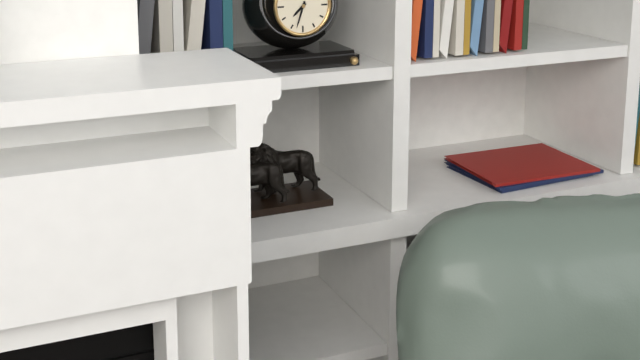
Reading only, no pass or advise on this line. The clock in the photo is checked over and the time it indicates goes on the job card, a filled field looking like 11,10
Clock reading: 7,33
